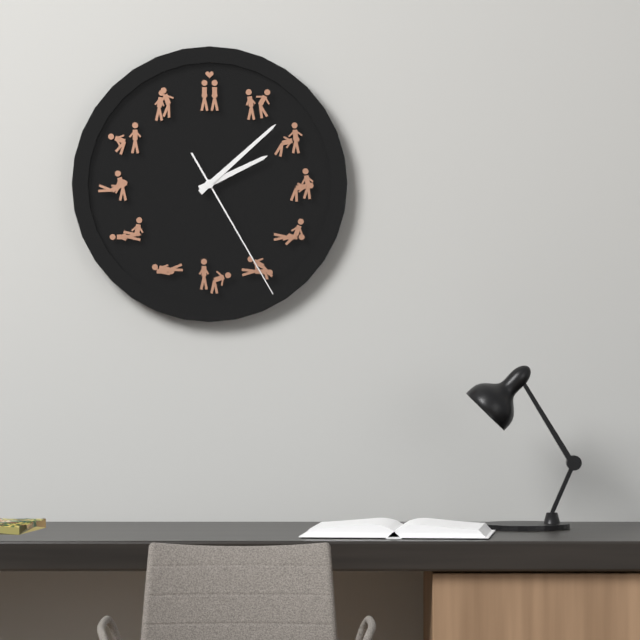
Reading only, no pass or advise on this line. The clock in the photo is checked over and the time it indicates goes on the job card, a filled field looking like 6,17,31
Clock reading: 2,08,25
